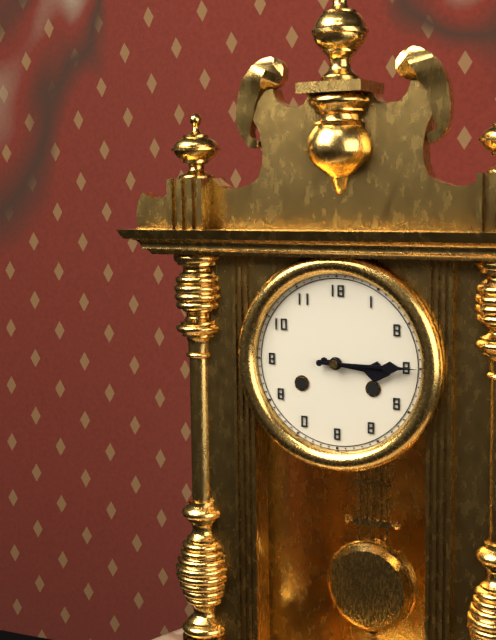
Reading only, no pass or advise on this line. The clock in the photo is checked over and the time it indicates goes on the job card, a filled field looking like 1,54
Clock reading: 3,15
